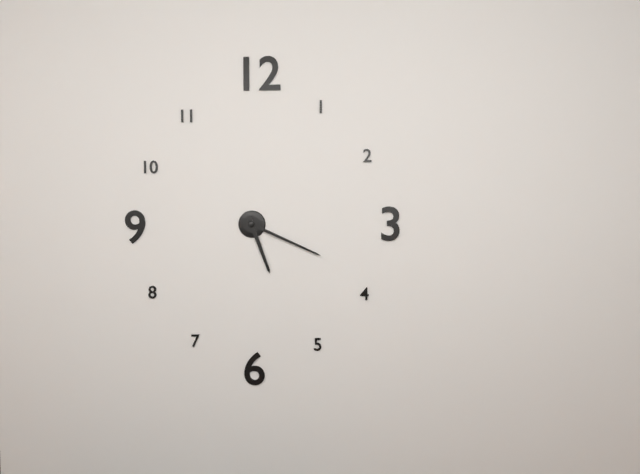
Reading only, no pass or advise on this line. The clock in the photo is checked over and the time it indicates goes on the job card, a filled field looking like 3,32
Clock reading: 5,19
